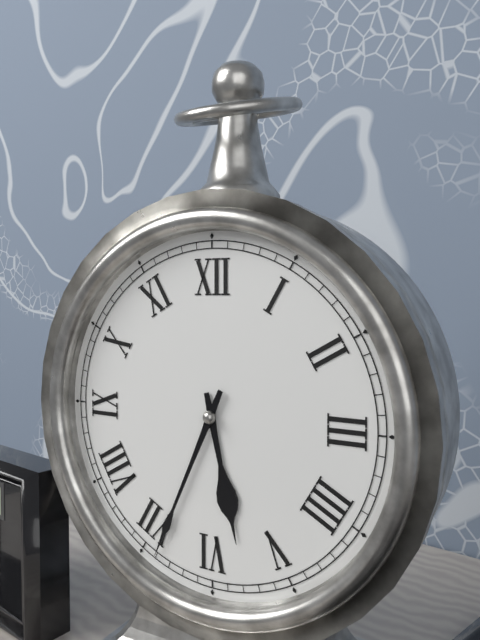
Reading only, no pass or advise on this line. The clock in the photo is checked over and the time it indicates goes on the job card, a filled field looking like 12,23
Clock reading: 5,34
